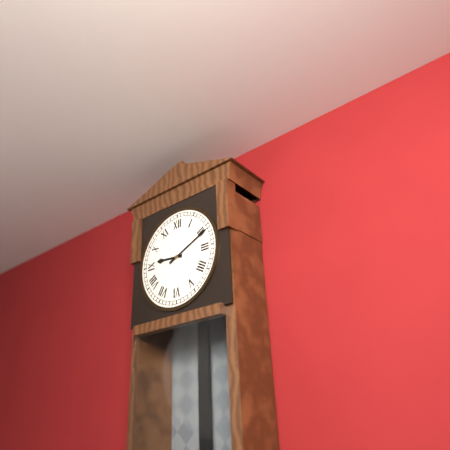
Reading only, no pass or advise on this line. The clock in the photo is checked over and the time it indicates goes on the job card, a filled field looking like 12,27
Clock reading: 9,11
